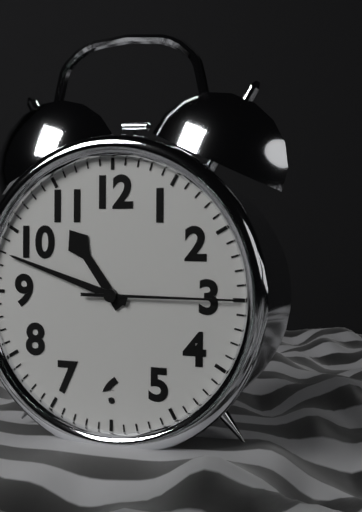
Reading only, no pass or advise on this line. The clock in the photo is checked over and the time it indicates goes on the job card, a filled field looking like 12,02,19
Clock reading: 10,48,15
